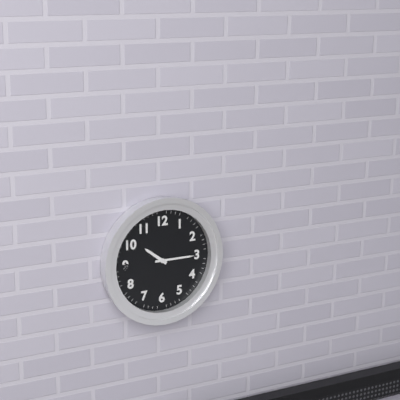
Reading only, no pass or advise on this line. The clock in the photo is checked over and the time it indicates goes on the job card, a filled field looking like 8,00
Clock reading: 10,15
